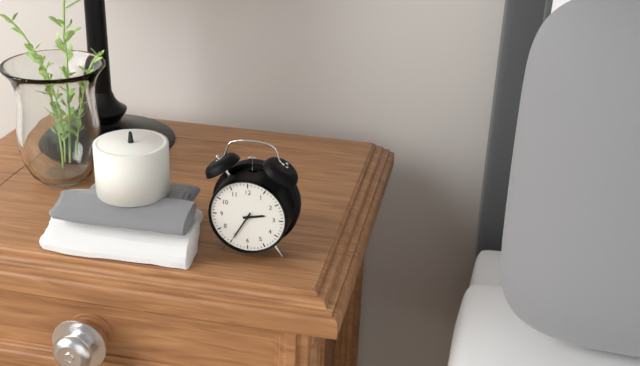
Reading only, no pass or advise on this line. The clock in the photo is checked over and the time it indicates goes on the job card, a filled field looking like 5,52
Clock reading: 2,35
